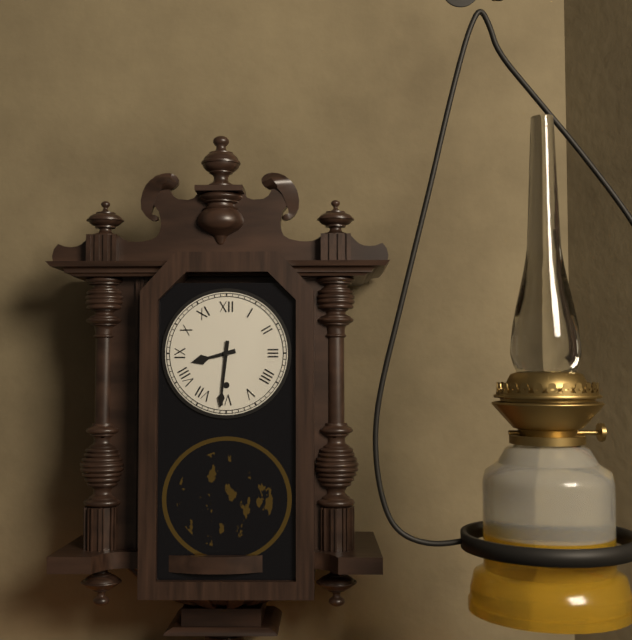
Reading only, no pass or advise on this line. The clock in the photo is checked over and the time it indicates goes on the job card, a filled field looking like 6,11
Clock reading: 8,31
